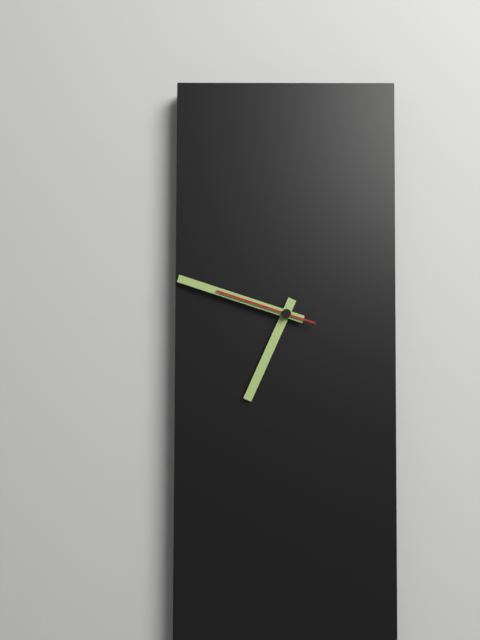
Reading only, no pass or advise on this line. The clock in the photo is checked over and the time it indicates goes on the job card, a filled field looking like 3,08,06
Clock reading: 6,48,48
